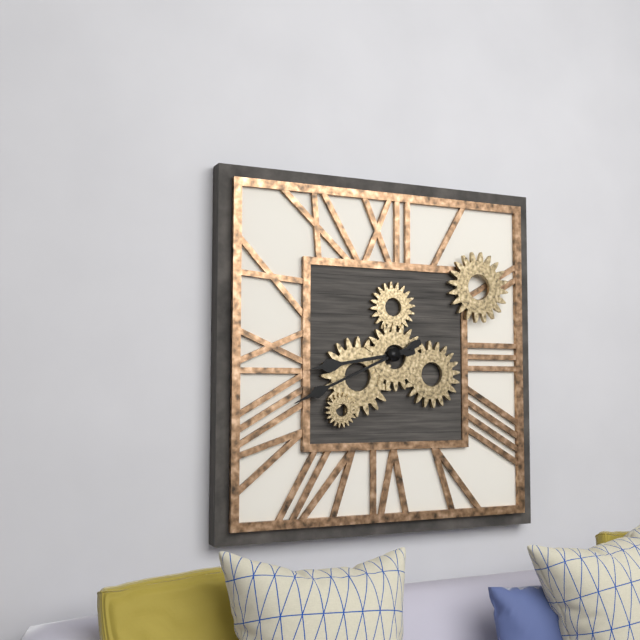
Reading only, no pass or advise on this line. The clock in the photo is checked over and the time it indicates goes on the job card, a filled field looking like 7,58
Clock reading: 8,41
